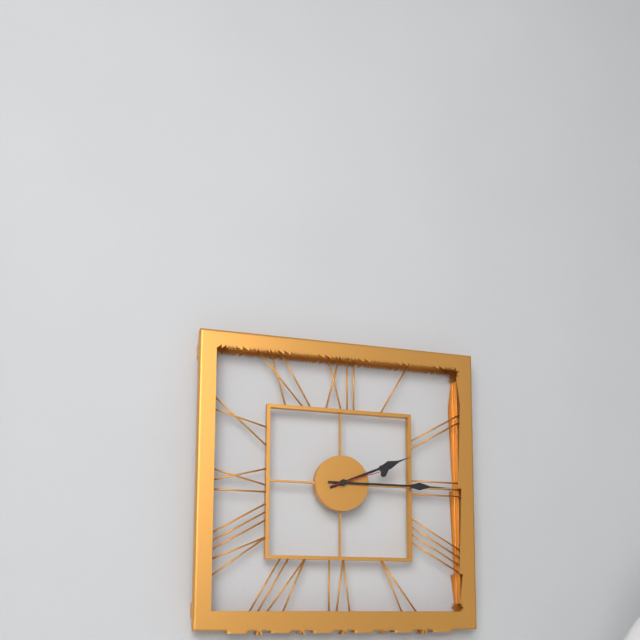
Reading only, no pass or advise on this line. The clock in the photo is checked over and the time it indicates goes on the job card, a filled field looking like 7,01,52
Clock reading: 2,15,12
